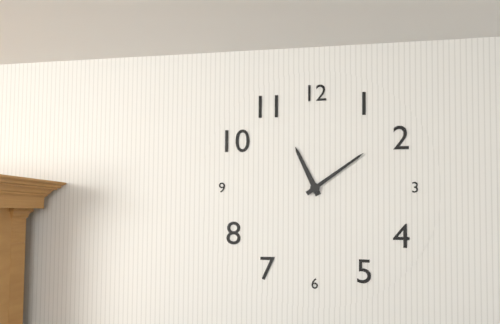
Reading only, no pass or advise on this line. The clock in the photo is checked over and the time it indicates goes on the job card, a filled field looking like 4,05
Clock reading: 11,09
